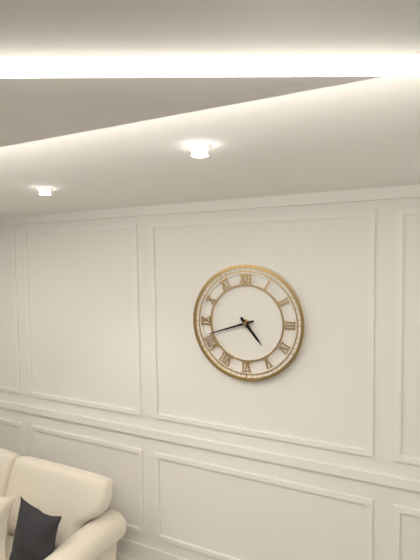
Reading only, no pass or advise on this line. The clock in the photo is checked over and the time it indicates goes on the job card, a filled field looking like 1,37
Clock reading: 4,42
